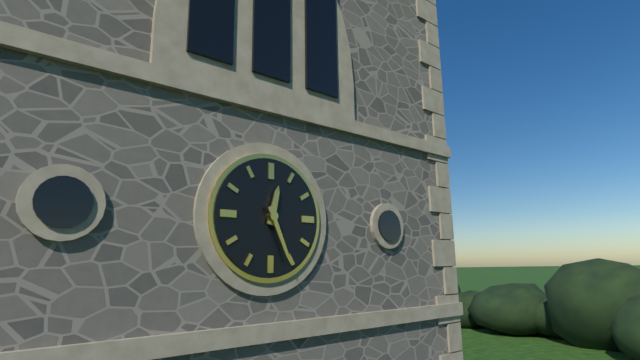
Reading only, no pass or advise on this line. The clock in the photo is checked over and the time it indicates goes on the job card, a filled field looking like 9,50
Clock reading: 12,26
